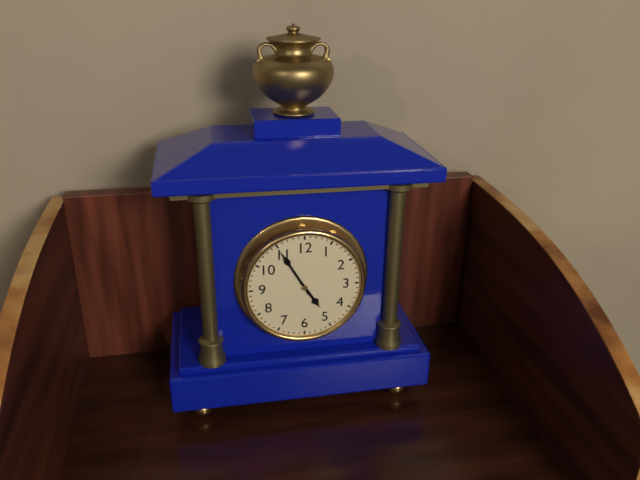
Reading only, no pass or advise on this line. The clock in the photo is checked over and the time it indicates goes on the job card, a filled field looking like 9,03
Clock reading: 4,55
